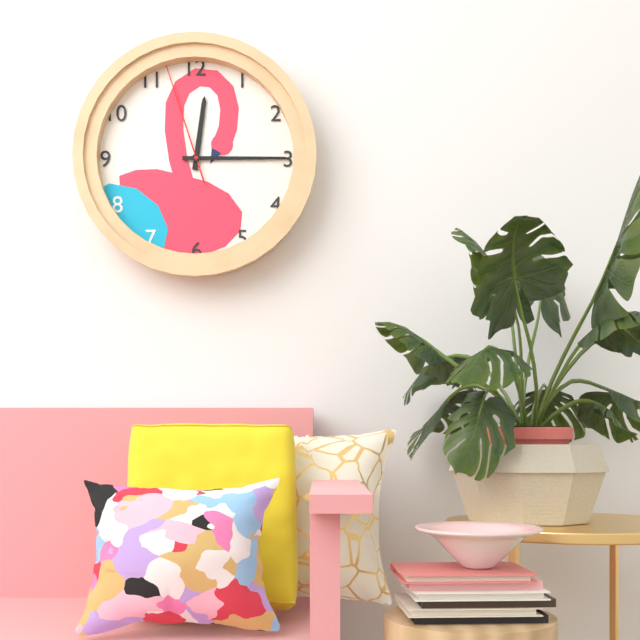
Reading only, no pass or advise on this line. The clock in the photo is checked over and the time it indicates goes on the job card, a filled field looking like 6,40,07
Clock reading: 12,15,57
